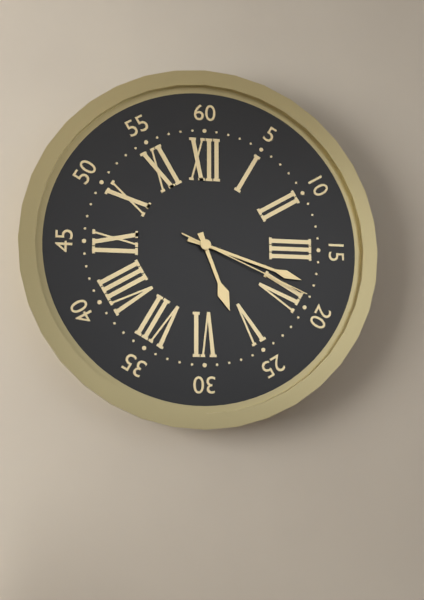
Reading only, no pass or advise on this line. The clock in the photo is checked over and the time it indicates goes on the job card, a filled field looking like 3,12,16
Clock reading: 5,18,19
